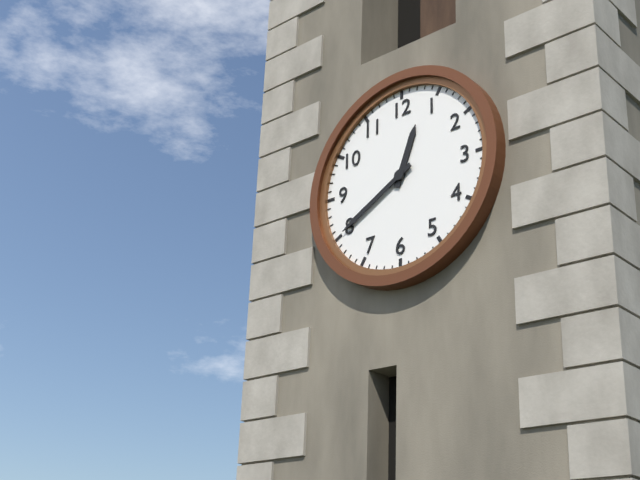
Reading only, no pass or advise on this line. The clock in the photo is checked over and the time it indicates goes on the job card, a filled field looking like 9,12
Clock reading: 12,40
